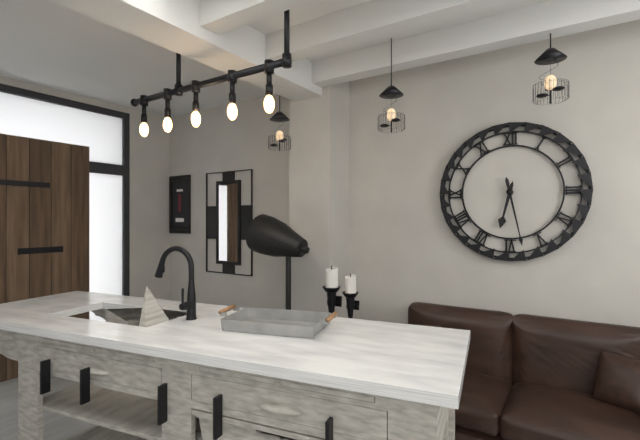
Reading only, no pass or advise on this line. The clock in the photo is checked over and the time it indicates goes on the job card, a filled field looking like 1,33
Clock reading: 6,28
